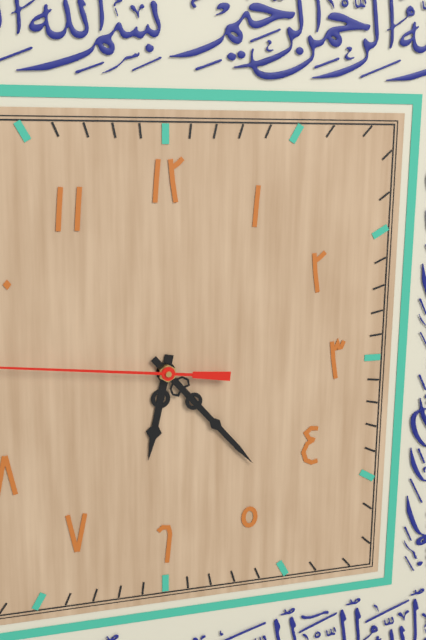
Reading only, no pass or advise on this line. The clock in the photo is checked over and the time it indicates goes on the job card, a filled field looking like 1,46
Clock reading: 6,23
